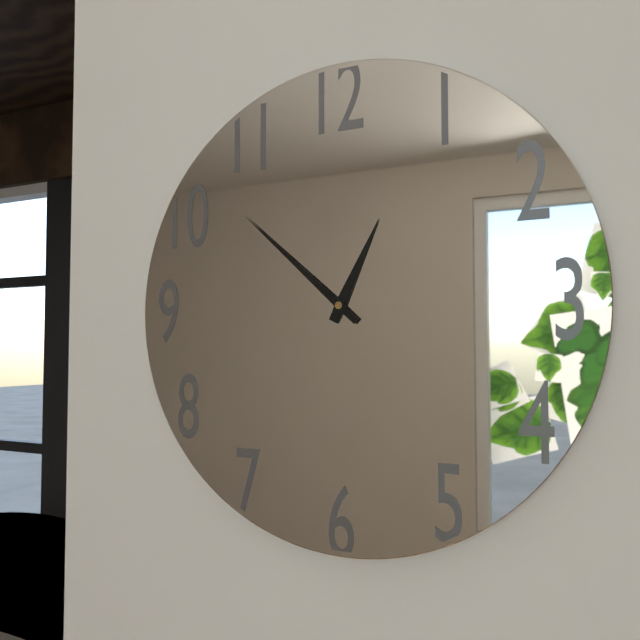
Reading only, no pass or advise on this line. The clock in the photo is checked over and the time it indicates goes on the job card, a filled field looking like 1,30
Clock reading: 12,52
